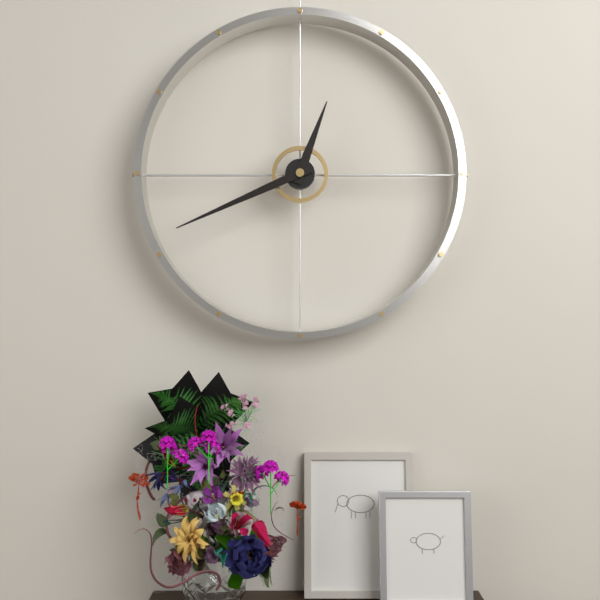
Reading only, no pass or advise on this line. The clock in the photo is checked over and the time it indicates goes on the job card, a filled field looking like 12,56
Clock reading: 12,41
